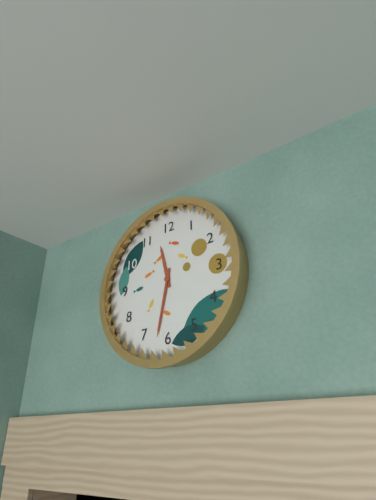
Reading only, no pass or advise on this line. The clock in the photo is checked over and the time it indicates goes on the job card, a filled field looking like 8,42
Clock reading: 11,32
